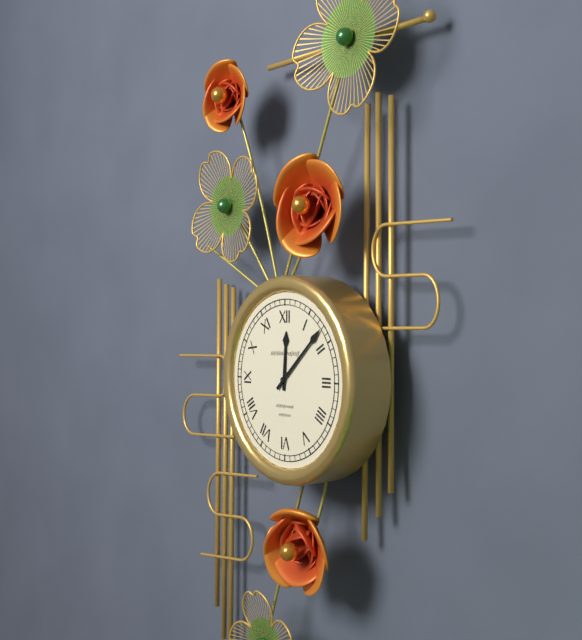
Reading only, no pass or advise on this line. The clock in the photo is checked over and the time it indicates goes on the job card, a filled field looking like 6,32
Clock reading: 12,08
